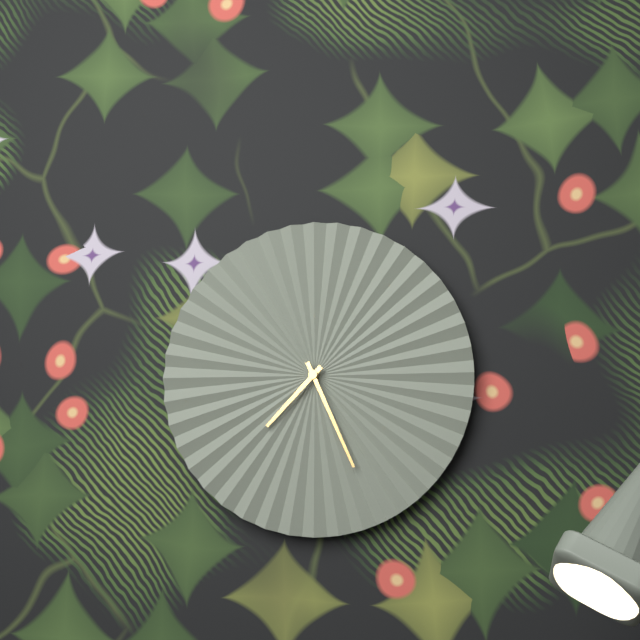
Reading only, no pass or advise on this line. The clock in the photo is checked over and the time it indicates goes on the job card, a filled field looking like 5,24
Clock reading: 7,26
